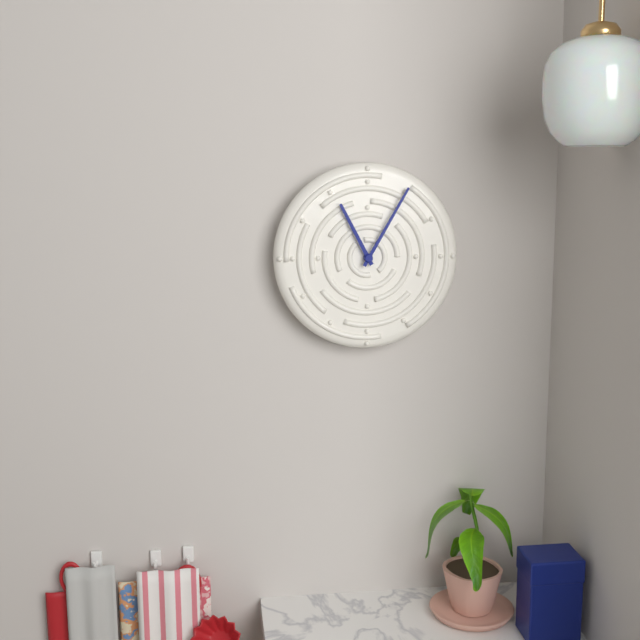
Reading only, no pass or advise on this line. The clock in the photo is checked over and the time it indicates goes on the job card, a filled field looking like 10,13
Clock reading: 11,05
